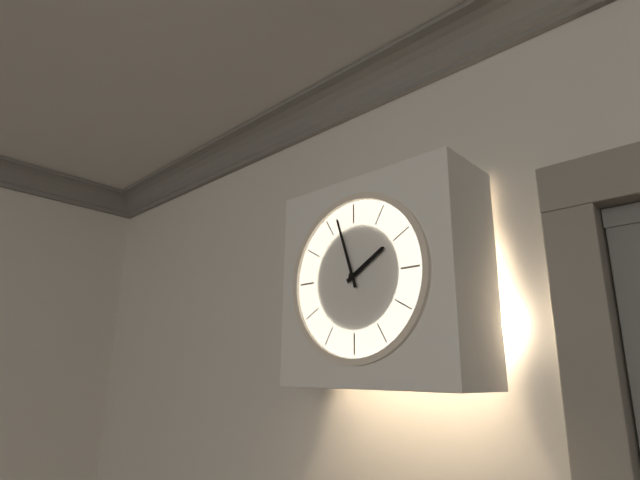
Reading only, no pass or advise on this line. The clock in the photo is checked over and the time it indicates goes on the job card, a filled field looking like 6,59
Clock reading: 1,57
